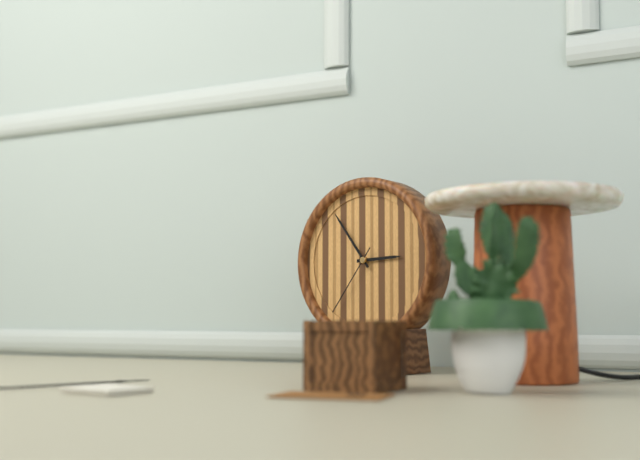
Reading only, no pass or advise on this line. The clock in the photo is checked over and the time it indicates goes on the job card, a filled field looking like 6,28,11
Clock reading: 2,54,36
